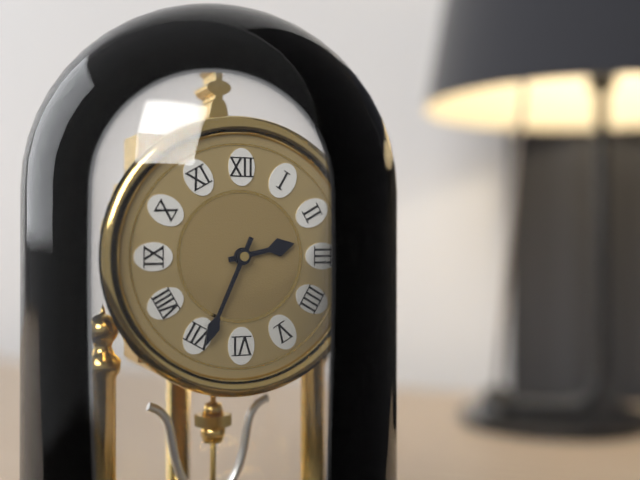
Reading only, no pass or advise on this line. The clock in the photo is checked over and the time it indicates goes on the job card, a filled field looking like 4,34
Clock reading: 2,34
